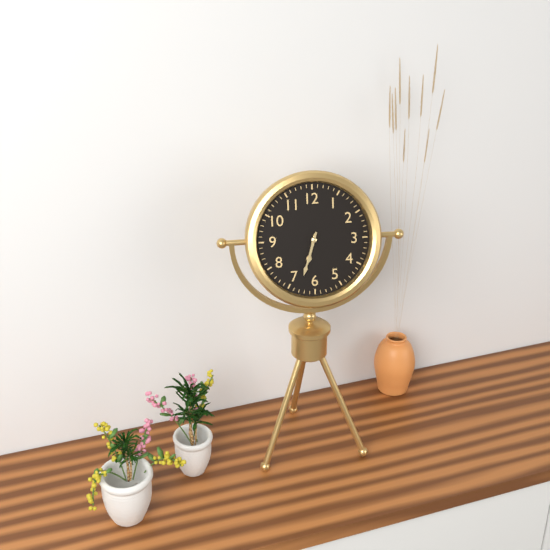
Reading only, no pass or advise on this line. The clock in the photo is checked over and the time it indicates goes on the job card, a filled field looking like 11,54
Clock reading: 6,33
